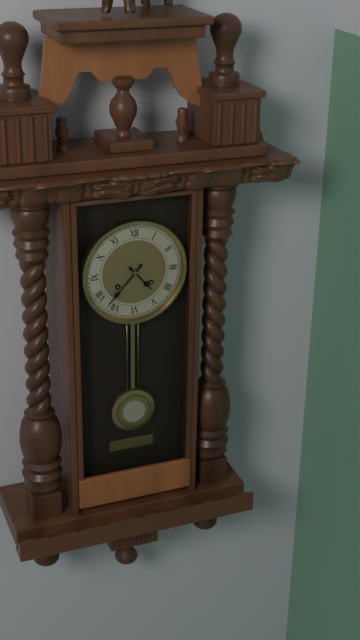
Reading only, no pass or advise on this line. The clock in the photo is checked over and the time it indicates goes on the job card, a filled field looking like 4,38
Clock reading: 4,37
